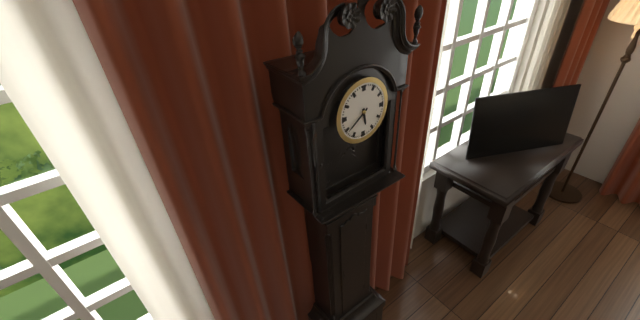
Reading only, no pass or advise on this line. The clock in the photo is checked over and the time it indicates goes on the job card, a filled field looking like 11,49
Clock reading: 5,39
